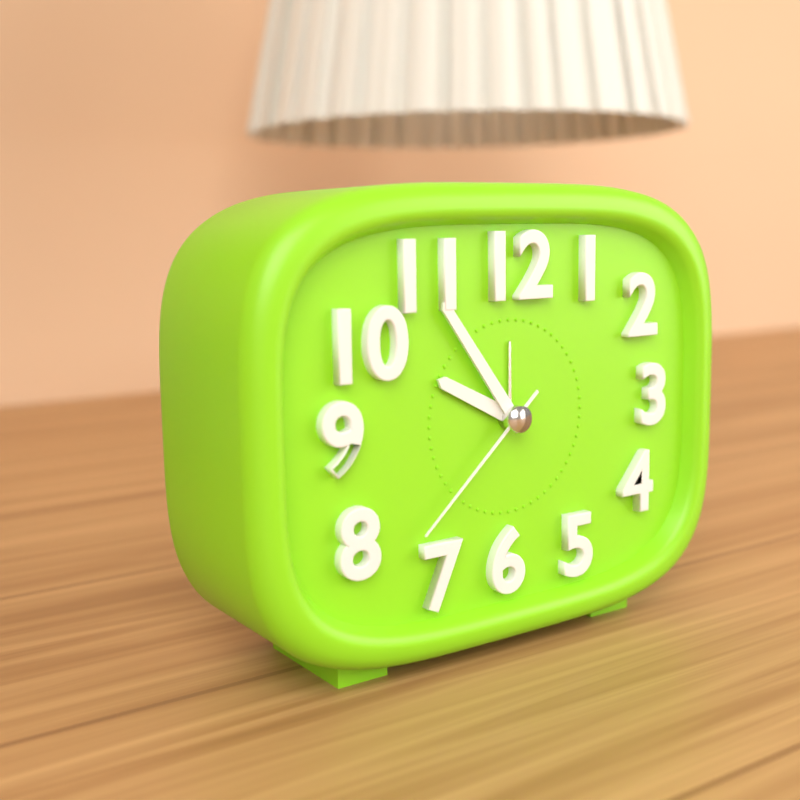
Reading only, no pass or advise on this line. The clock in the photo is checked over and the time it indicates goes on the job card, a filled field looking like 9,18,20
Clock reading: 9,54,38
